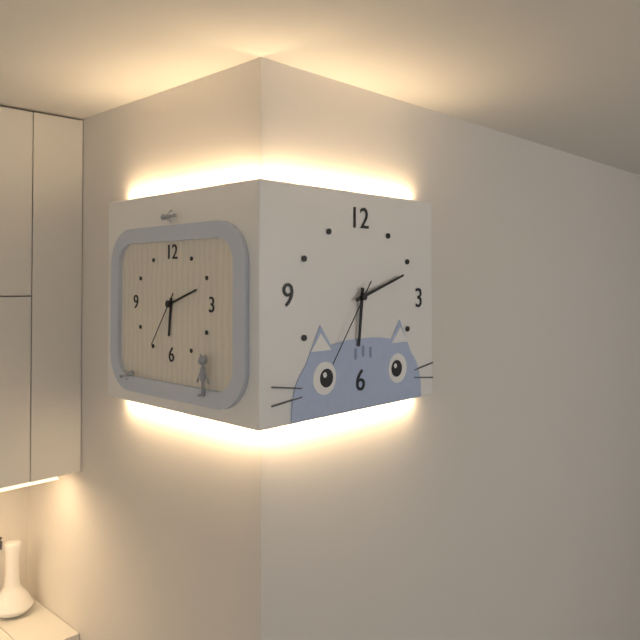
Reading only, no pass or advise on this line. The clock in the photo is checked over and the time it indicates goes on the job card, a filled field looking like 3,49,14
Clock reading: 6,12,36
